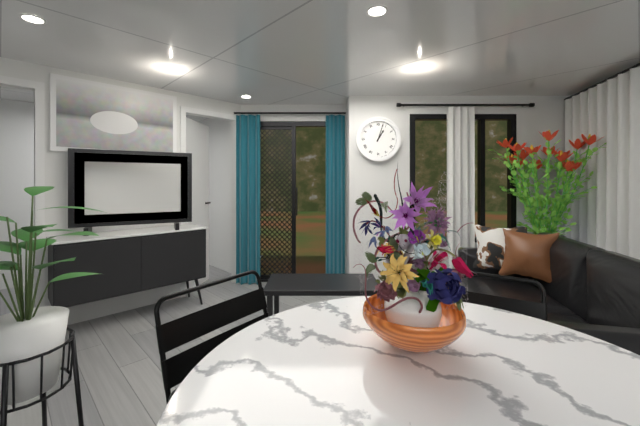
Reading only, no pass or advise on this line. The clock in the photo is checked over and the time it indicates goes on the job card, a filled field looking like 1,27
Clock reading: 1,03
